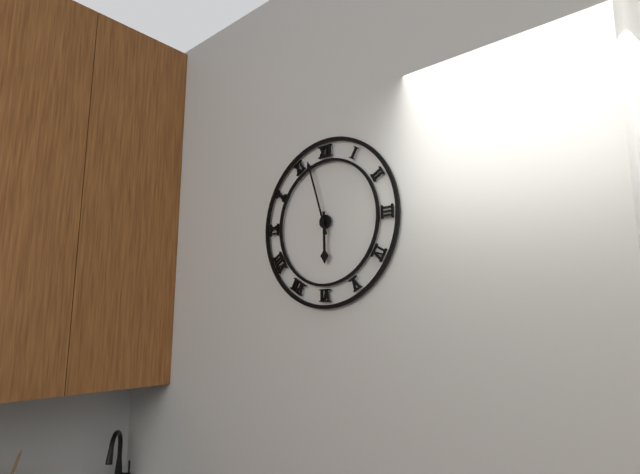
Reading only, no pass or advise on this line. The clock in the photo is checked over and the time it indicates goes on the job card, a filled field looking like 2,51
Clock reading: 5,57
